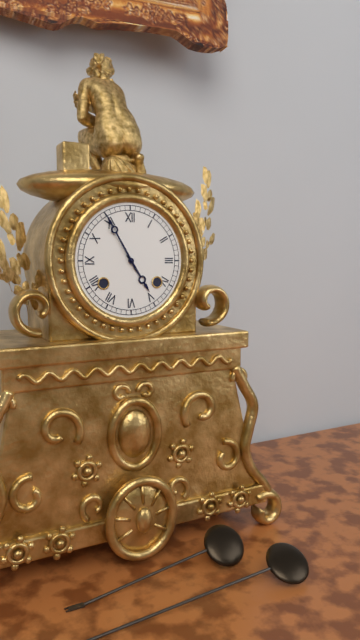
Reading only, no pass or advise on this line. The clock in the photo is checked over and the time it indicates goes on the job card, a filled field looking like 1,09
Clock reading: 4,55
